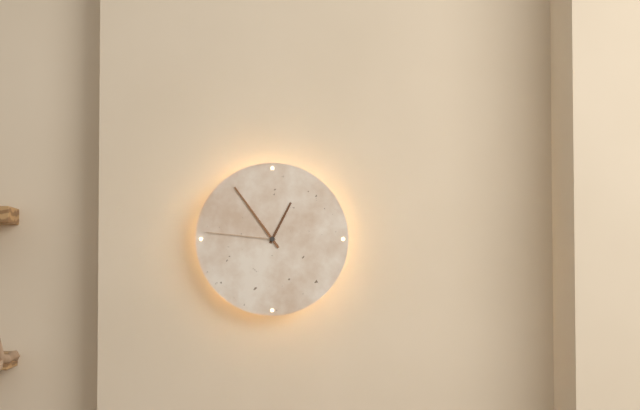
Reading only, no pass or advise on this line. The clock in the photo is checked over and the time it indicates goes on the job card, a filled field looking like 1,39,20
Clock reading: 12,54,46
